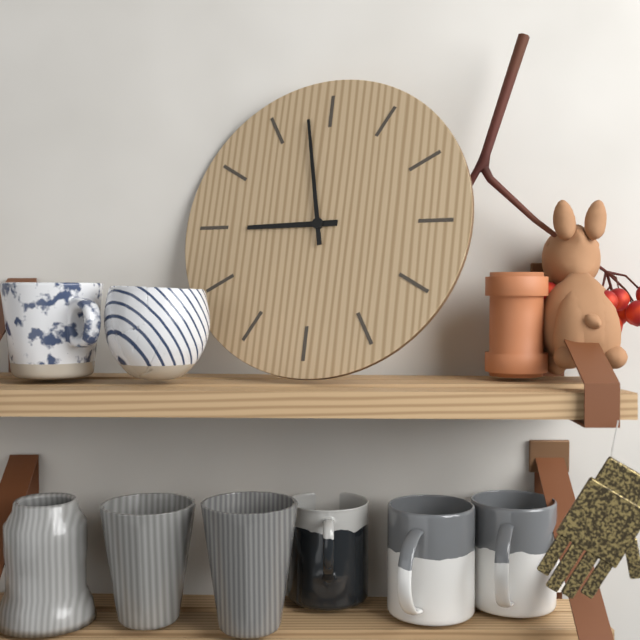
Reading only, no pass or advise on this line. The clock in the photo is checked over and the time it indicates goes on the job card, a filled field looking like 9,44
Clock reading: 8,58
